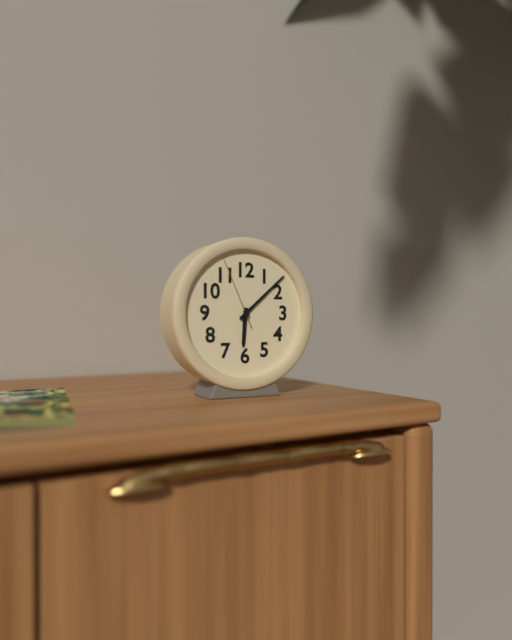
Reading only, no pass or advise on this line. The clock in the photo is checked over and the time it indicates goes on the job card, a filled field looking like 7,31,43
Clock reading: 6,08,56
